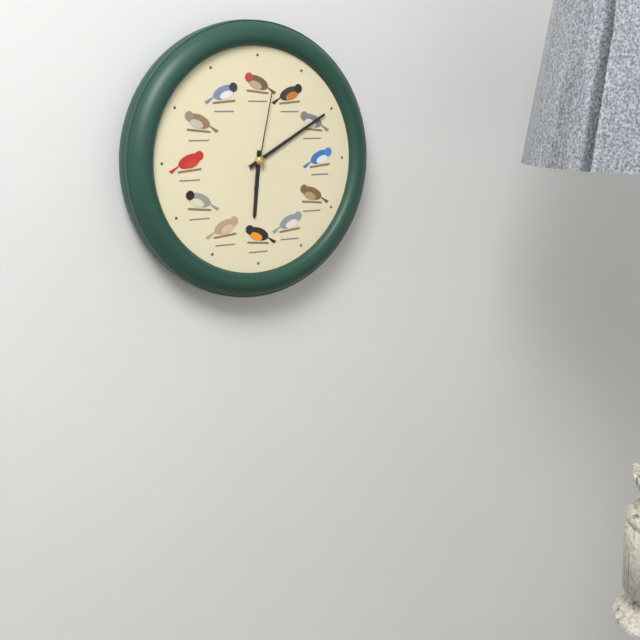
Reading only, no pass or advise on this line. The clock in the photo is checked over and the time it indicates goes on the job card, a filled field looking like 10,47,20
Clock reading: 6,10,02
